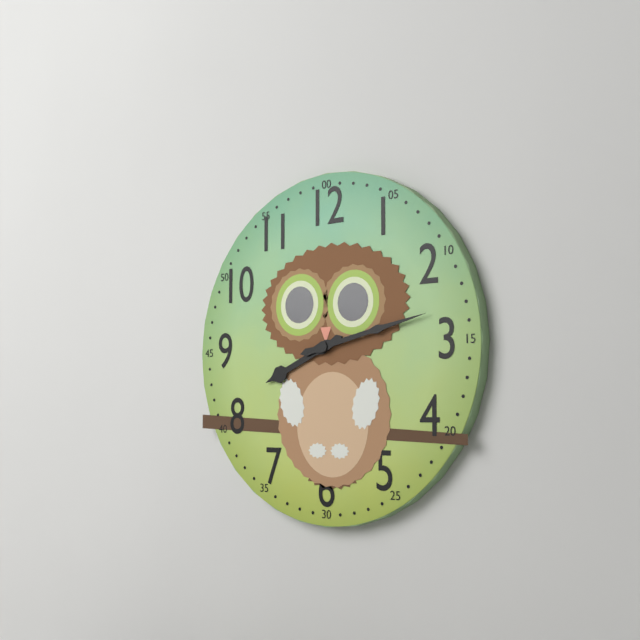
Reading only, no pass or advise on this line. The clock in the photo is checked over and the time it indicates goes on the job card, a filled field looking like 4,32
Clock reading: 8,13
